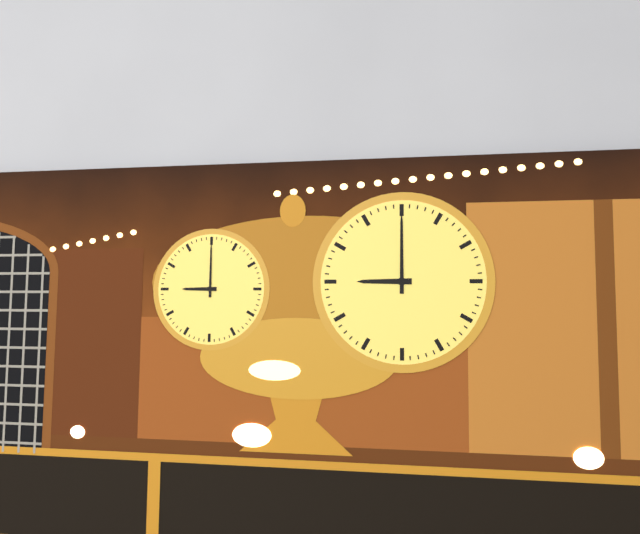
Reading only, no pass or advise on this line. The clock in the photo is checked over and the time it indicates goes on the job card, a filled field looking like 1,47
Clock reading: 9,00
